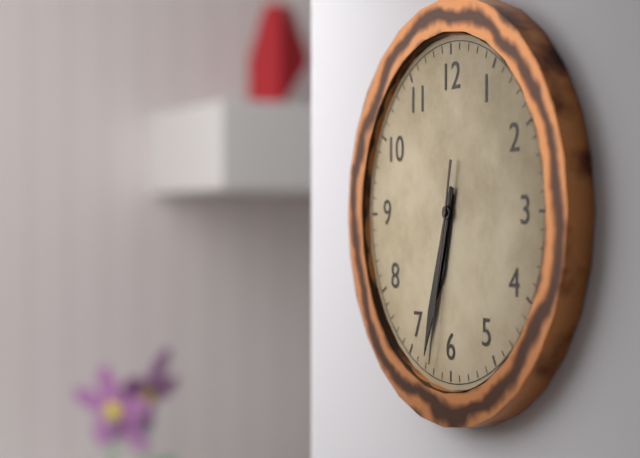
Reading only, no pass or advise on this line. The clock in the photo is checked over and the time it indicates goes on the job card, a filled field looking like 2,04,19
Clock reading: 6,33,32
